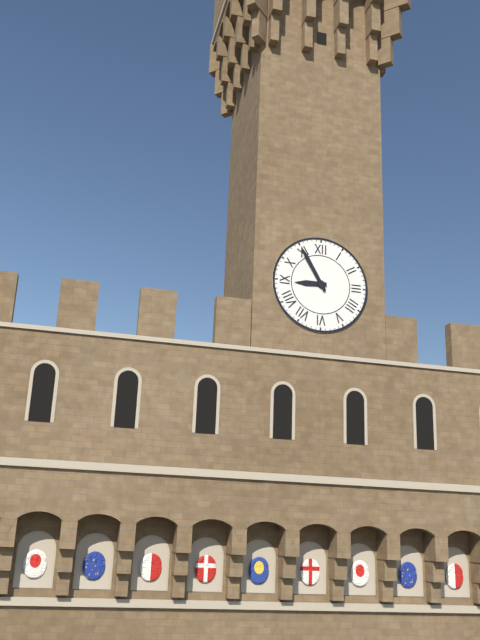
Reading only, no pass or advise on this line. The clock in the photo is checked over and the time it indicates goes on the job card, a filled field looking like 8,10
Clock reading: 8,55
